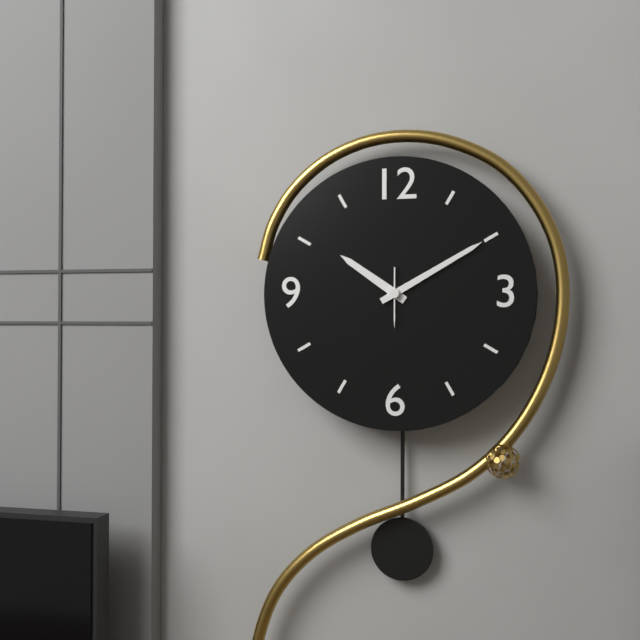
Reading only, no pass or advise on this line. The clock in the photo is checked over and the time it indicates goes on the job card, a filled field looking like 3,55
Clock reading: 10,10
